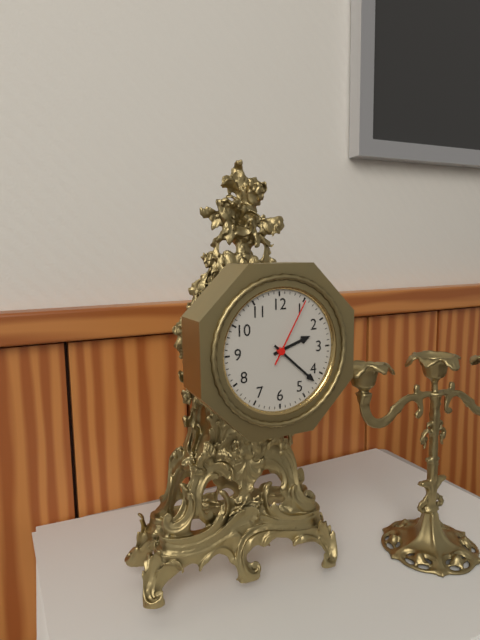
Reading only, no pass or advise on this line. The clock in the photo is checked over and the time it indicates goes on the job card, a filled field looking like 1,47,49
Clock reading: 2,22,05
